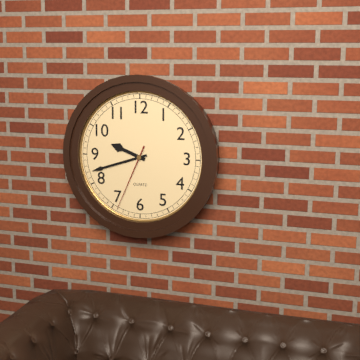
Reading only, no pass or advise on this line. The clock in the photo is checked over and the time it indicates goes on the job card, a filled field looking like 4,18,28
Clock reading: 9,42,34
